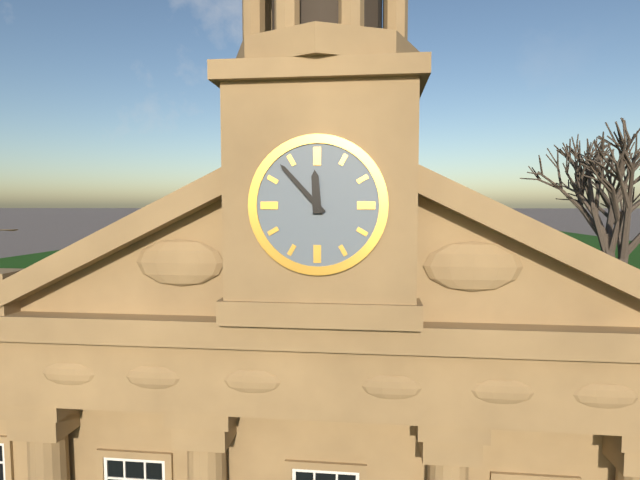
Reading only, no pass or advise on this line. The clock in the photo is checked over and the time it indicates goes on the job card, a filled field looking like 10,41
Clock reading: 11,53
